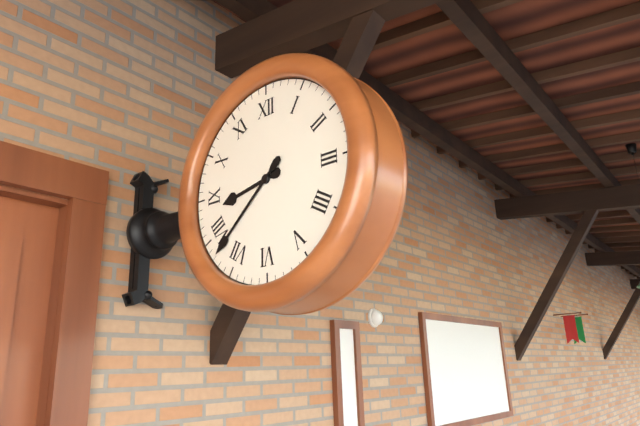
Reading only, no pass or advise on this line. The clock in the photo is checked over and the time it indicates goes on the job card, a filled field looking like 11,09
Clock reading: 8,38
